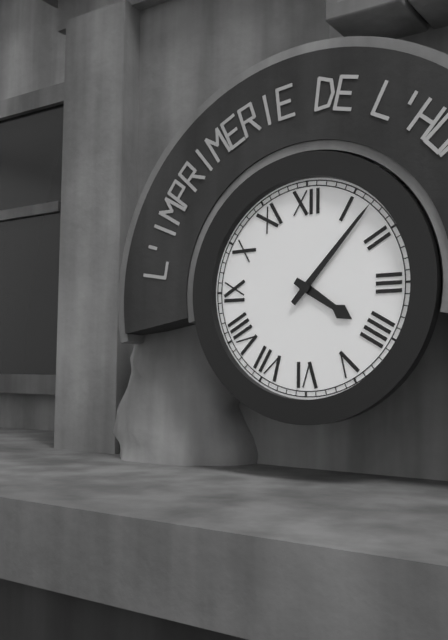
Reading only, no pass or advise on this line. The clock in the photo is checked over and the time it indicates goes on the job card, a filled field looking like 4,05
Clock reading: 4,07
